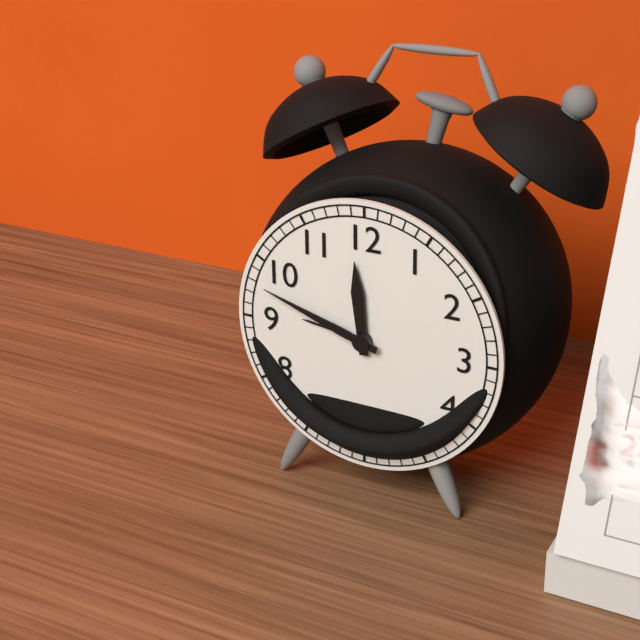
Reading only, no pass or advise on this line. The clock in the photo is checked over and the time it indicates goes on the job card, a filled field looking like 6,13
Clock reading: 11,48
